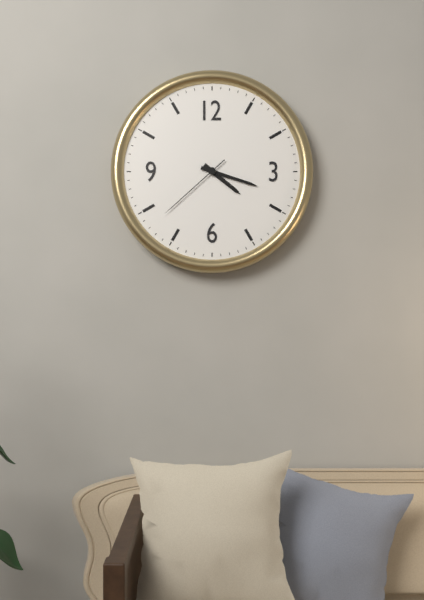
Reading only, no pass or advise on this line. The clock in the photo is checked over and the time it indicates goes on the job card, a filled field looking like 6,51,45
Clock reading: 4,18,38
